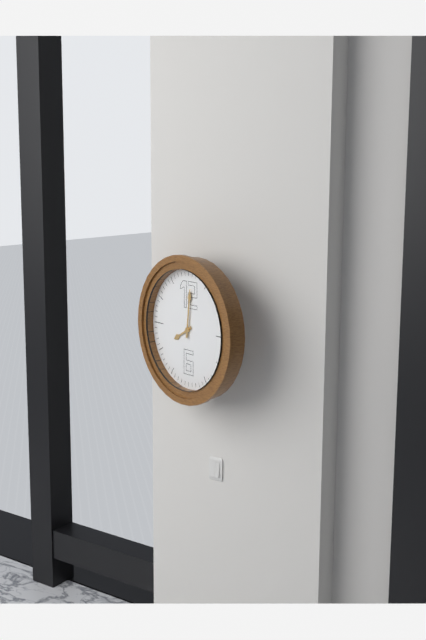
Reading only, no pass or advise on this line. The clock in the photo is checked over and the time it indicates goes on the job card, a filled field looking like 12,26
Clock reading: 8,01
